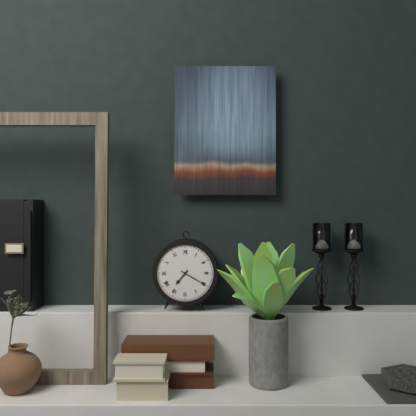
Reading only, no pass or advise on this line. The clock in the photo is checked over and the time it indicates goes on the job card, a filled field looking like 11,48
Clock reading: 7,20
